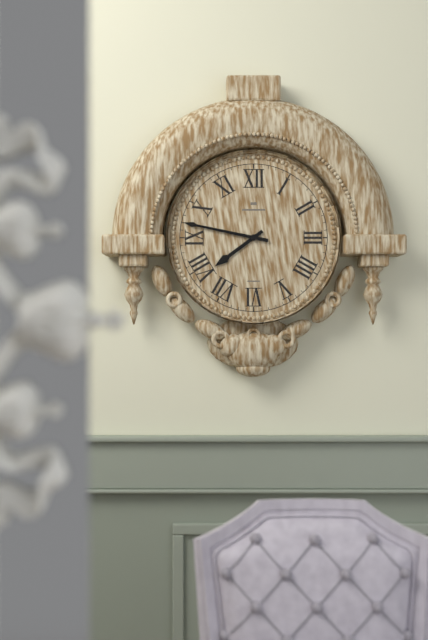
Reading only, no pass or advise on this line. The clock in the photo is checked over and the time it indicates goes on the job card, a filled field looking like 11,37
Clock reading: 7,47
